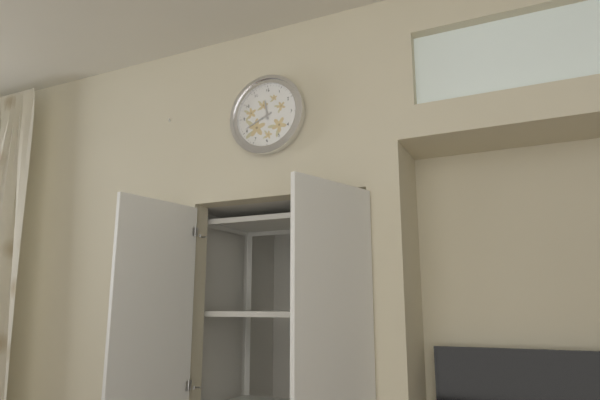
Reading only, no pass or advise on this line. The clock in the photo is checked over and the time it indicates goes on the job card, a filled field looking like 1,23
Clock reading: 11,41
